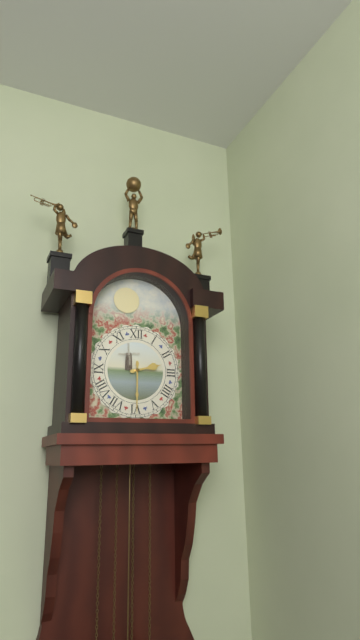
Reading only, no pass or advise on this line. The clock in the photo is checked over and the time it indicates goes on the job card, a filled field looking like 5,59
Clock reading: 2,30
